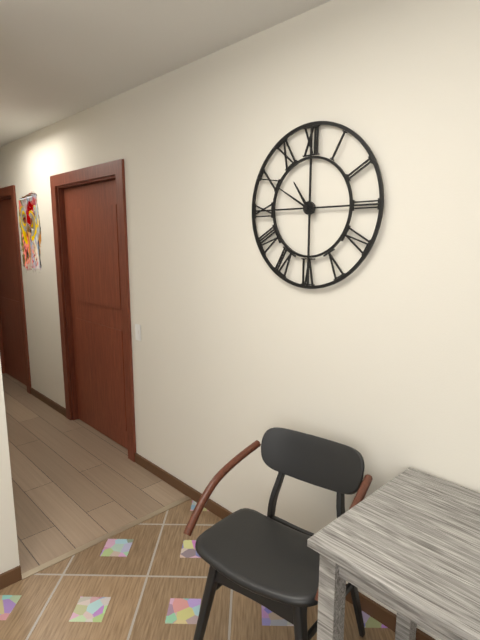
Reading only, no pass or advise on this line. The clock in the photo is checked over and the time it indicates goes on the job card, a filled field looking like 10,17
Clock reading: 10,50
